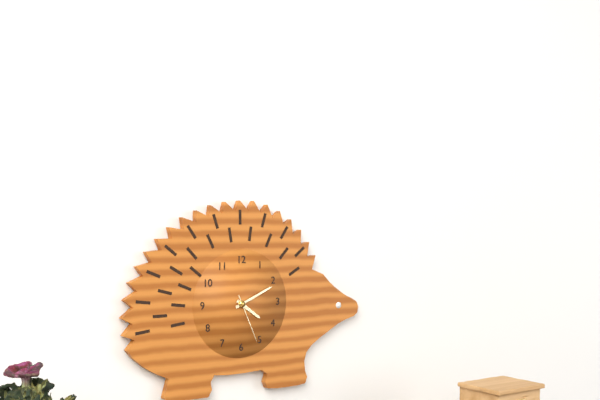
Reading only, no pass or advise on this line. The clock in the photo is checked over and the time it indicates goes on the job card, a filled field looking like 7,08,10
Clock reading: 4,11,26
